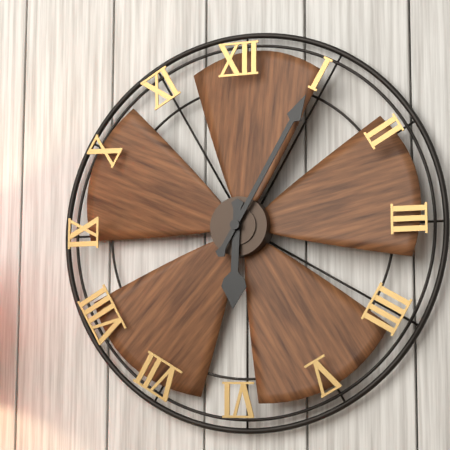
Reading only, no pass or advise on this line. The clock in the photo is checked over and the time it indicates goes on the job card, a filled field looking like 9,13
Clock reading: 6,05
